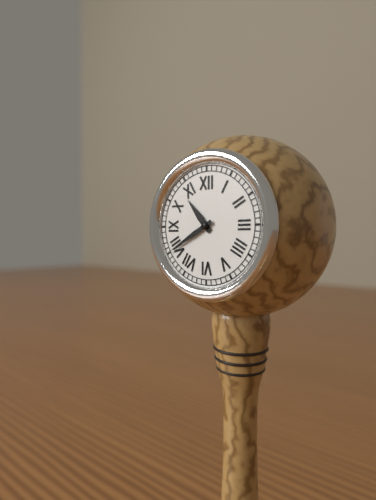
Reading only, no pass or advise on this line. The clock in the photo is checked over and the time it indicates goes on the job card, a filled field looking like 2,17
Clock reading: 10,40
